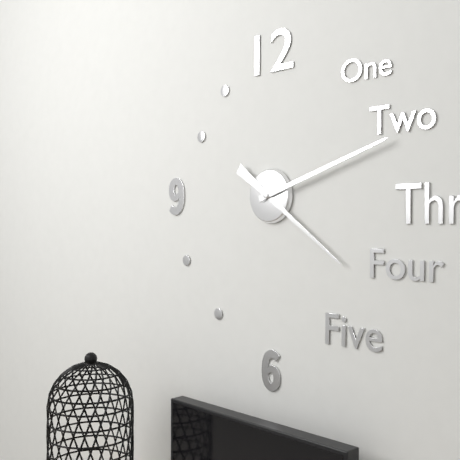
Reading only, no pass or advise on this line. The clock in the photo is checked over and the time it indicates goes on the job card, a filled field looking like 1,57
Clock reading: 4,12
